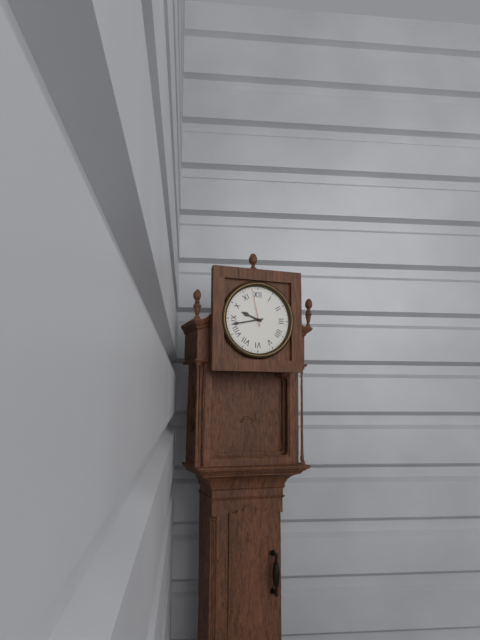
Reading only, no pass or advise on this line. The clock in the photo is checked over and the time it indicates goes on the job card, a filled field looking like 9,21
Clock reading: 9,43
